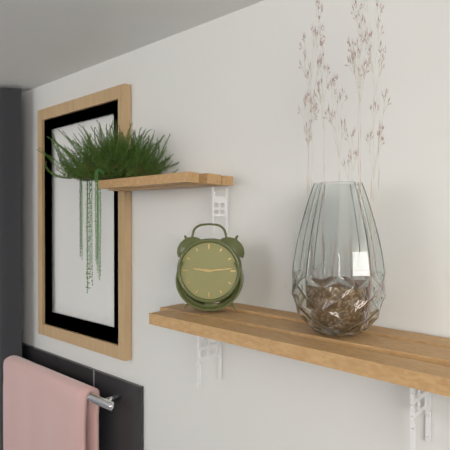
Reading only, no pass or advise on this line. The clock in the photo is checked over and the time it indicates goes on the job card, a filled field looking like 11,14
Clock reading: 9,14
